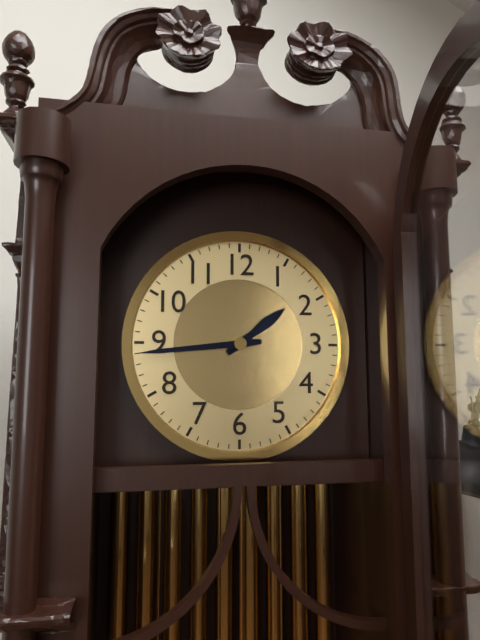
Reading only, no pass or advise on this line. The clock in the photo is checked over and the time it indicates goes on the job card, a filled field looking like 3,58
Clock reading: 1,44
